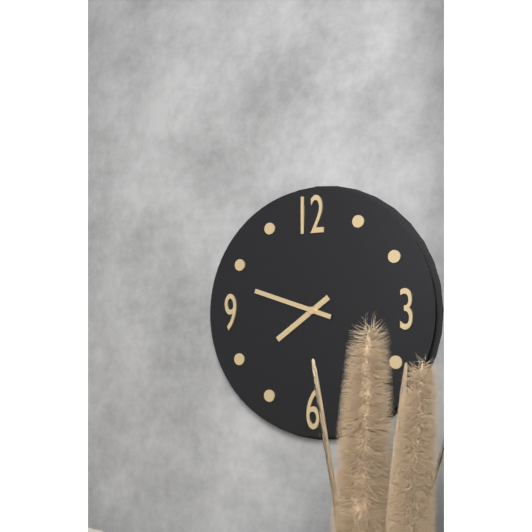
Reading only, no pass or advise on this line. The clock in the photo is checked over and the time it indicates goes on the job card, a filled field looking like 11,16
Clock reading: 7,48
